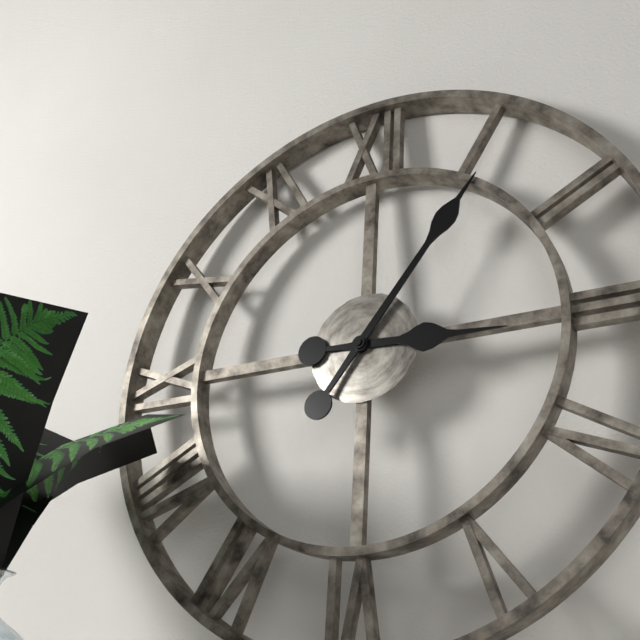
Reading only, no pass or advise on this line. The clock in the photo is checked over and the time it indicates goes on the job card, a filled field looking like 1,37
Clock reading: 3,06
